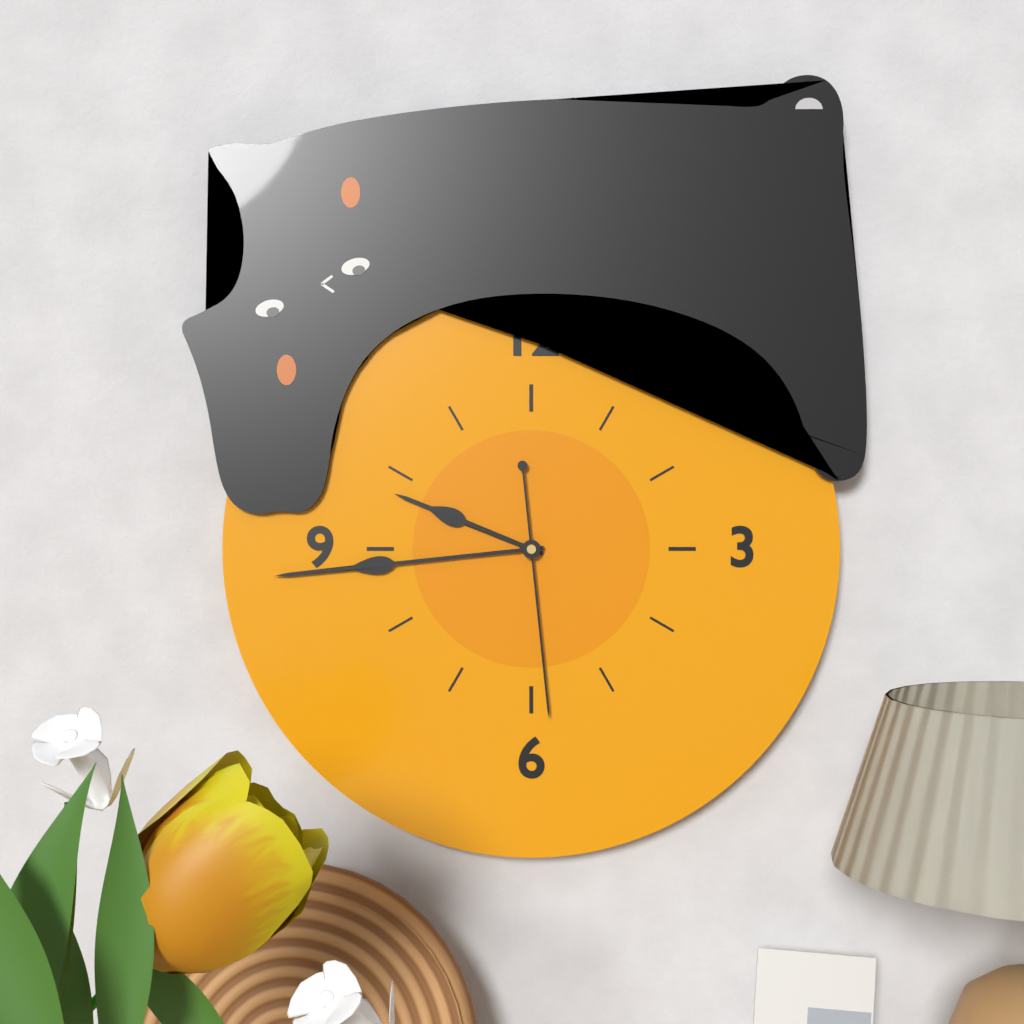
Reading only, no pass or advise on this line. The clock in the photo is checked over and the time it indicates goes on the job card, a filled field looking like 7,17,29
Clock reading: 9,44,29
